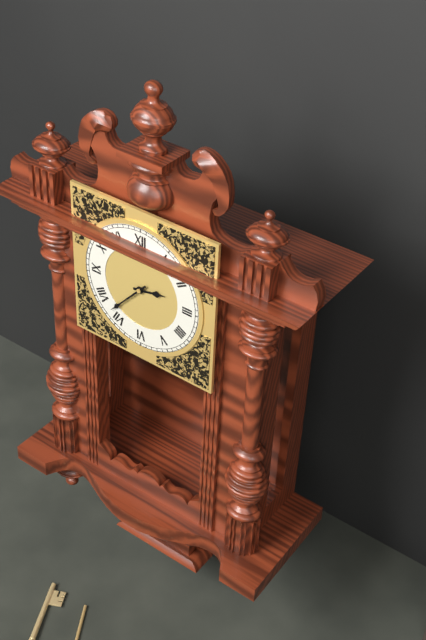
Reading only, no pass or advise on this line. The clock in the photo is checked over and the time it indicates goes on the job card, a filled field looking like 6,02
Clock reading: 2,37
